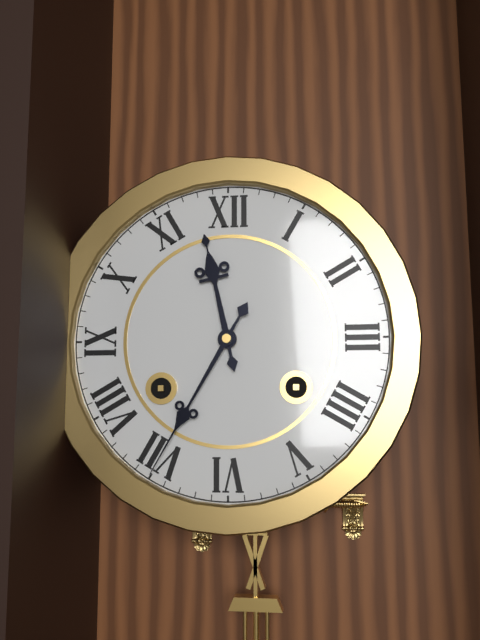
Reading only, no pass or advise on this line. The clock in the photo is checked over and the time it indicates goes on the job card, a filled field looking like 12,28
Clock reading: 11,35
